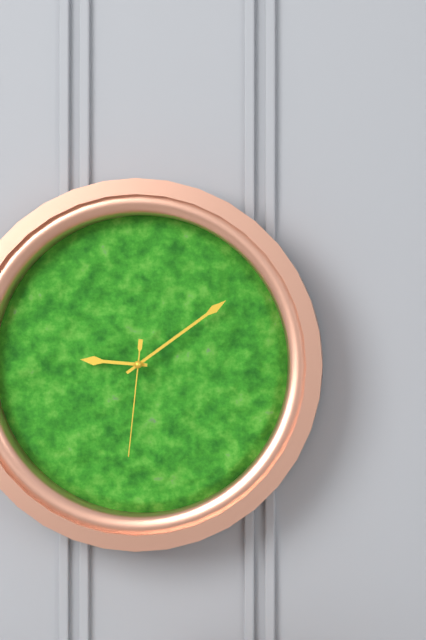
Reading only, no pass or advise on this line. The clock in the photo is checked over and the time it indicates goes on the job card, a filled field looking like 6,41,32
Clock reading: 9,09,31
